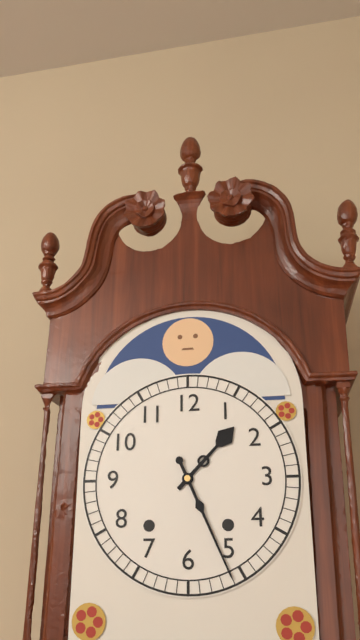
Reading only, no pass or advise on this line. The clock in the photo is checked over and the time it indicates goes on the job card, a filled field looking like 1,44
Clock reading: 1,26
